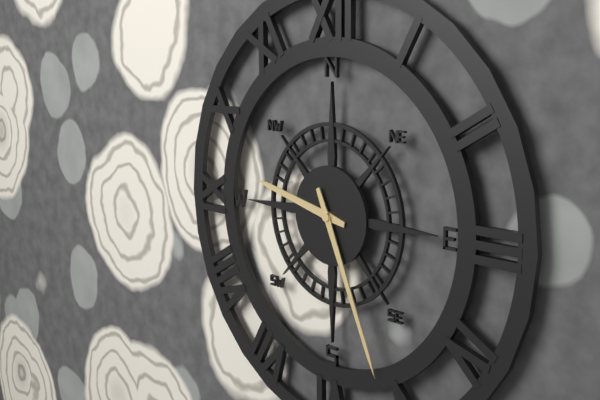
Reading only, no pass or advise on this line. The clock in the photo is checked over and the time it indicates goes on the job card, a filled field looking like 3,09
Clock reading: 9,26
